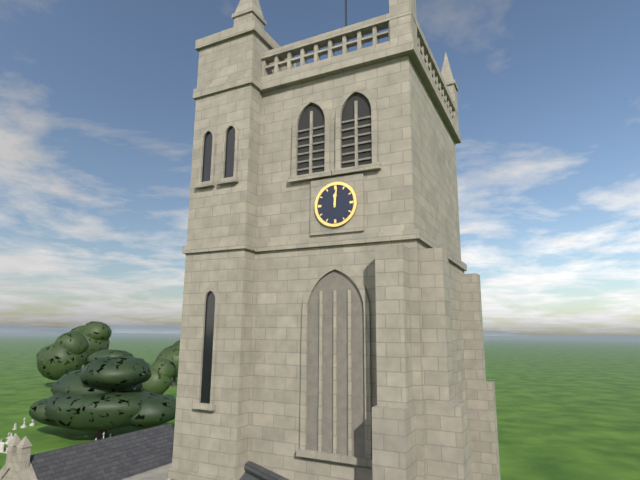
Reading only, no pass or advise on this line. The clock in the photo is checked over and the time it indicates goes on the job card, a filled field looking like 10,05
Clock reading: 12,01
